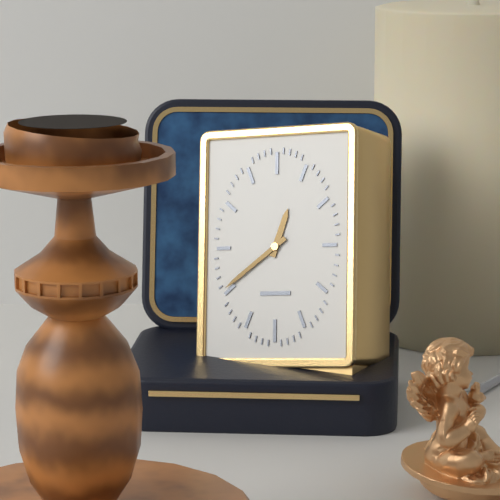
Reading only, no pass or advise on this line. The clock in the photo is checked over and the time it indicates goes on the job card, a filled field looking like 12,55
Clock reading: 12,39
